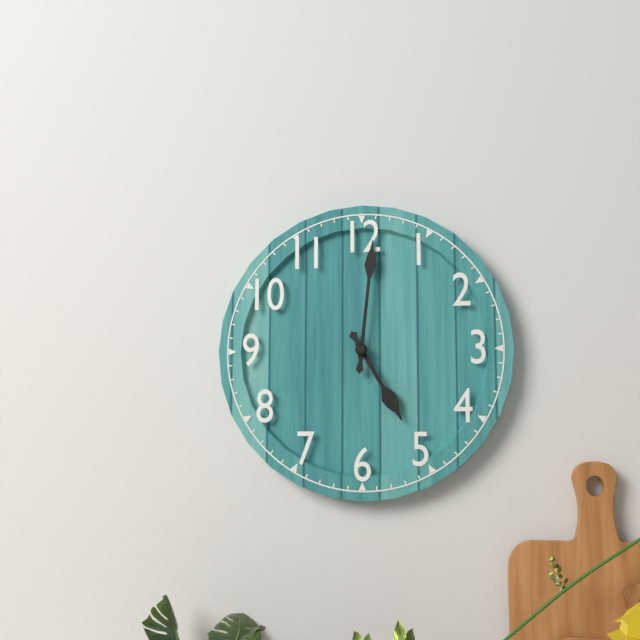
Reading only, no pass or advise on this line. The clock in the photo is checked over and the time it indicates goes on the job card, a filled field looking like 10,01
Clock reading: 5,01
